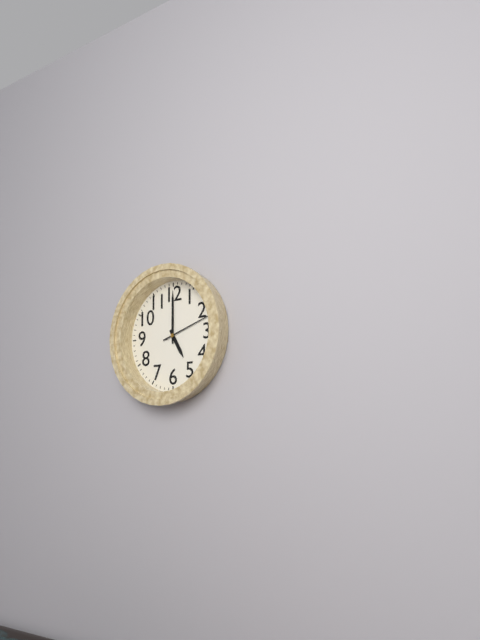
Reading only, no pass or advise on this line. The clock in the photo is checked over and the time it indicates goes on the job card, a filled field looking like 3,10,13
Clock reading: 5,00,12
